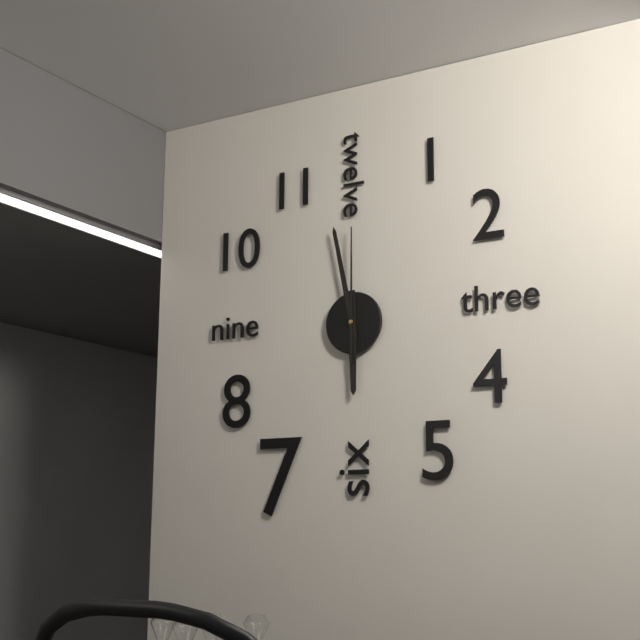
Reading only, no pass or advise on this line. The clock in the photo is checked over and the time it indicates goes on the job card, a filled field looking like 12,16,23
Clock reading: 5,58,00
